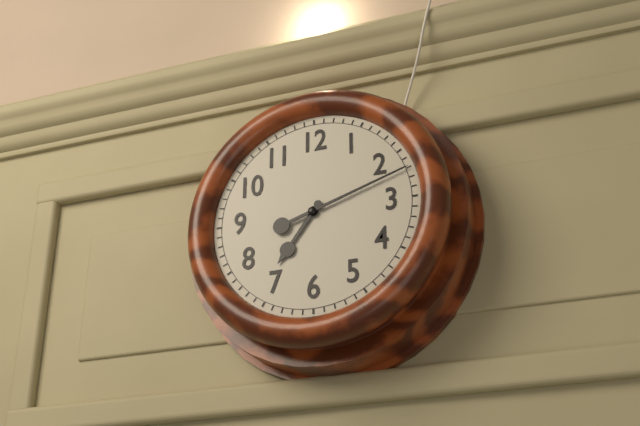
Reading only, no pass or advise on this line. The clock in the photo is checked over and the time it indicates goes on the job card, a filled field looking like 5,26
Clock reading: 7,12
